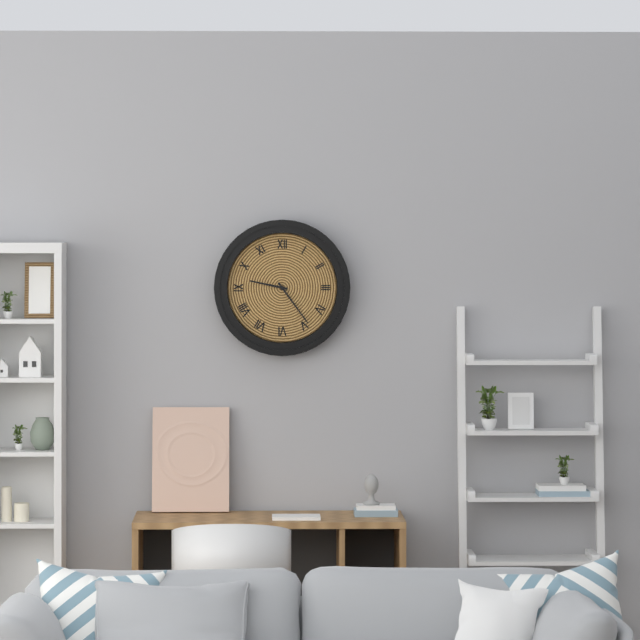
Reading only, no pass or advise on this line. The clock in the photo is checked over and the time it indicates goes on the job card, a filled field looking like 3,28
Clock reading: 9,24
